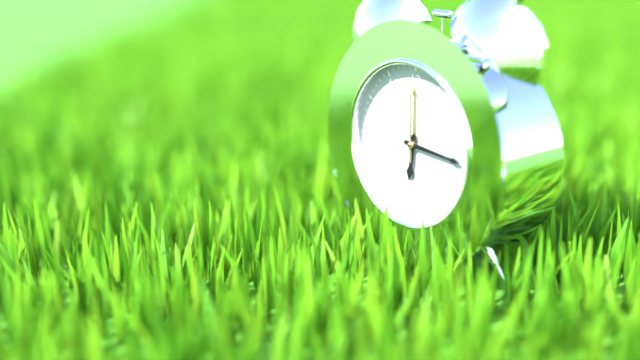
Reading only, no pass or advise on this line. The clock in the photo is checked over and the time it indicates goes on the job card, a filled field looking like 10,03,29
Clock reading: 6,16,00
